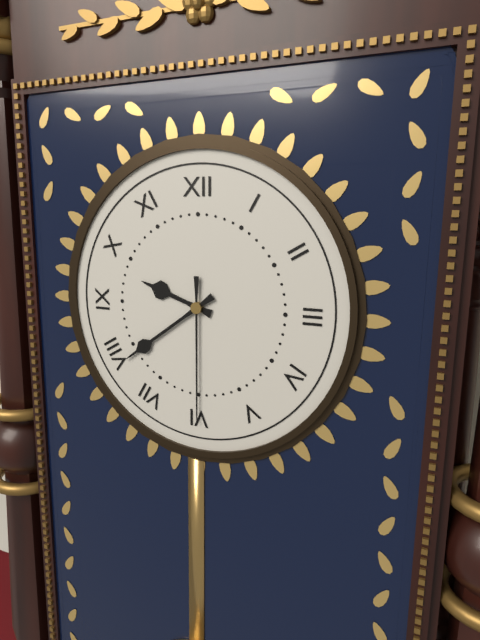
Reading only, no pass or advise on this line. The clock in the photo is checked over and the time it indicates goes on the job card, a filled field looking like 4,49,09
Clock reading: 9,39,30
